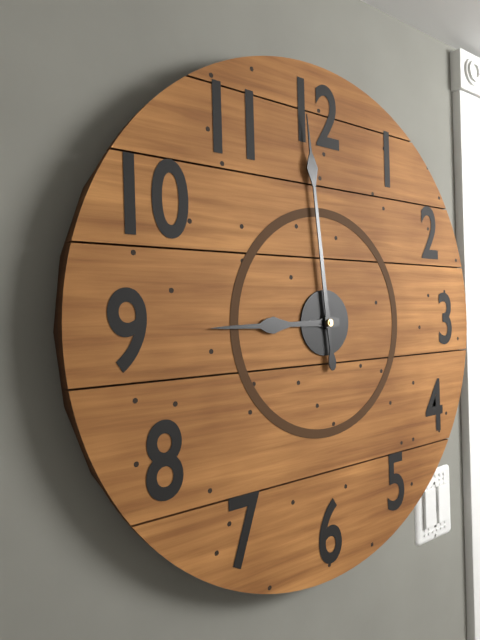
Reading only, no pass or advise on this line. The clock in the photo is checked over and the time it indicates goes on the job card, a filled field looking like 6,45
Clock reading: 8,59
